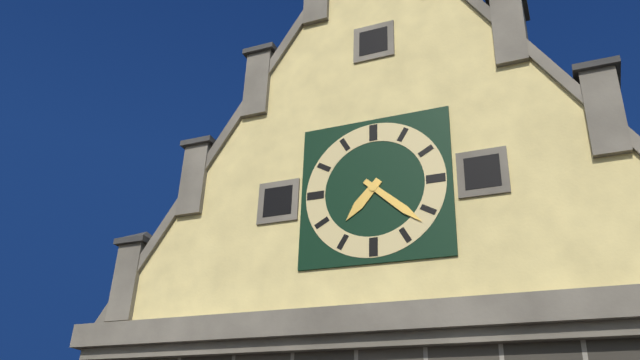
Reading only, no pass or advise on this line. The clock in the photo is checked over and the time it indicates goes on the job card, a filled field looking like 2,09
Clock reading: 7,22
